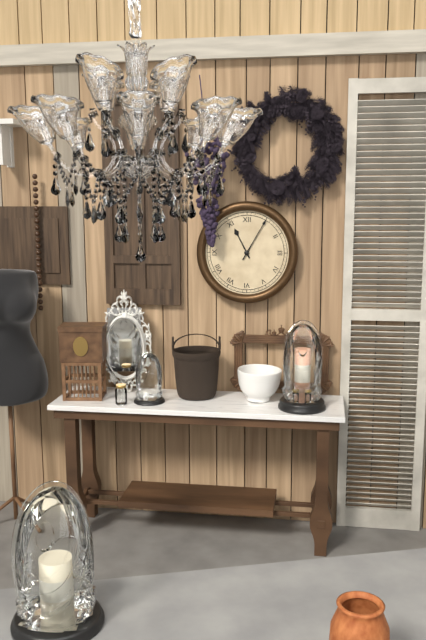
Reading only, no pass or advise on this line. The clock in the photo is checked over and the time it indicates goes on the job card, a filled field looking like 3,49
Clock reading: 11,05
